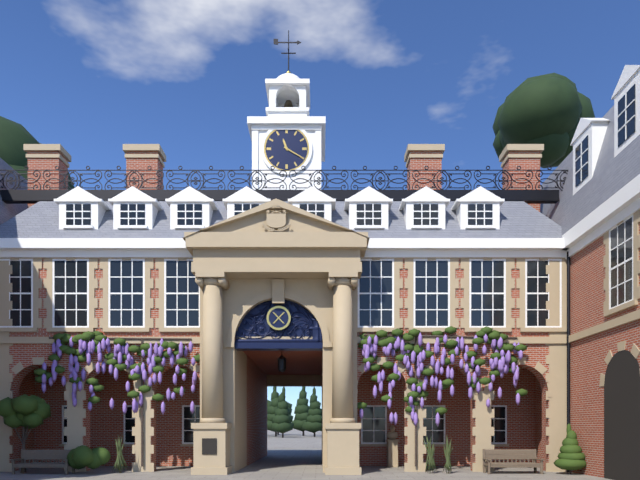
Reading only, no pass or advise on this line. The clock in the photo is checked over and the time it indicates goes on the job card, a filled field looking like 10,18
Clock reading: 11,20
